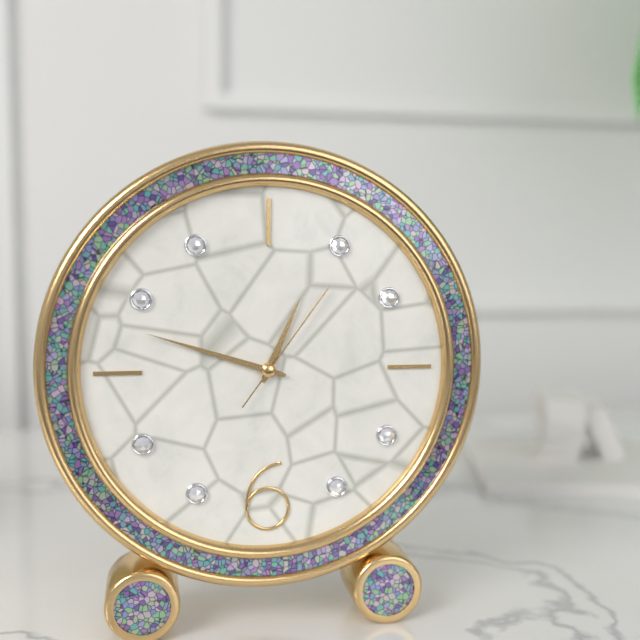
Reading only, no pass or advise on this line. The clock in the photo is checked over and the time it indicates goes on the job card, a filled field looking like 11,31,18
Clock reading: 12,48,06
